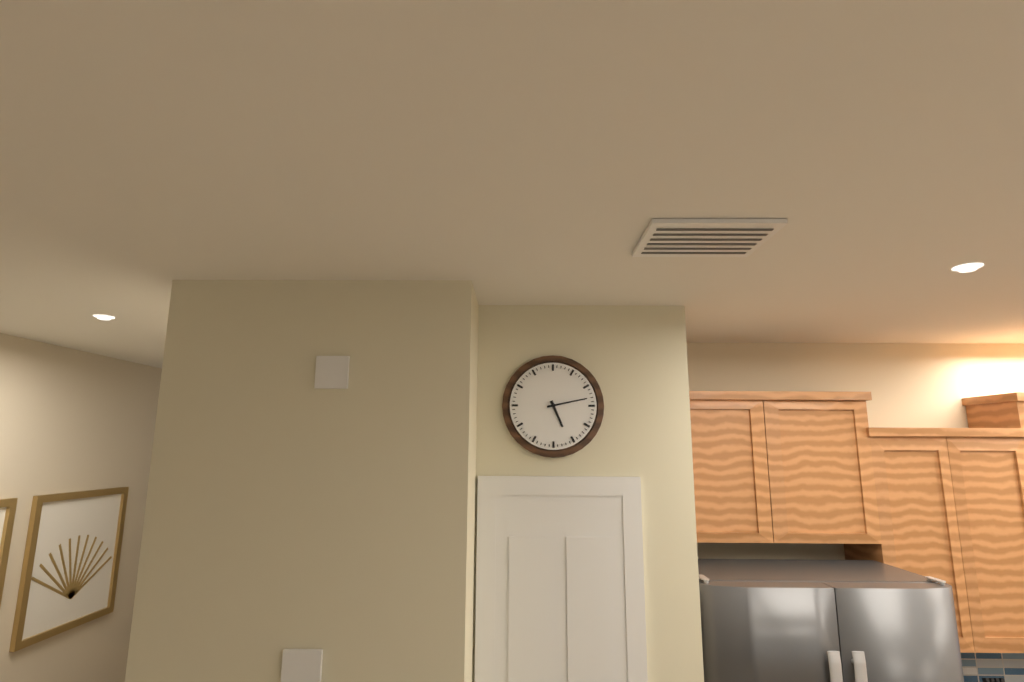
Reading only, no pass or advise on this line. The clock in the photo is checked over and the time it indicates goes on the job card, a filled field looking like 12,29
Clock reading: 5,13
